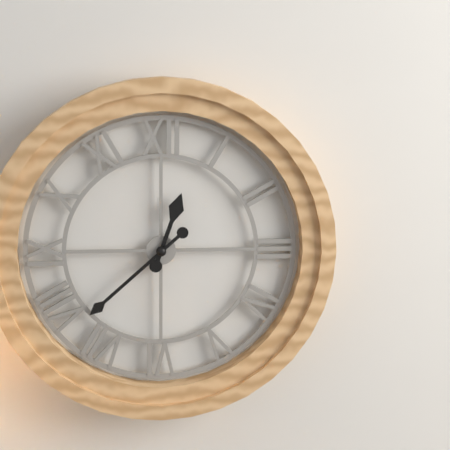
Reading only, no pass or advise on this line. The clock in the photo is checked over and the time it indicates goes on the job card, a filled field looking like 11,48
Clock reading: 12,38
